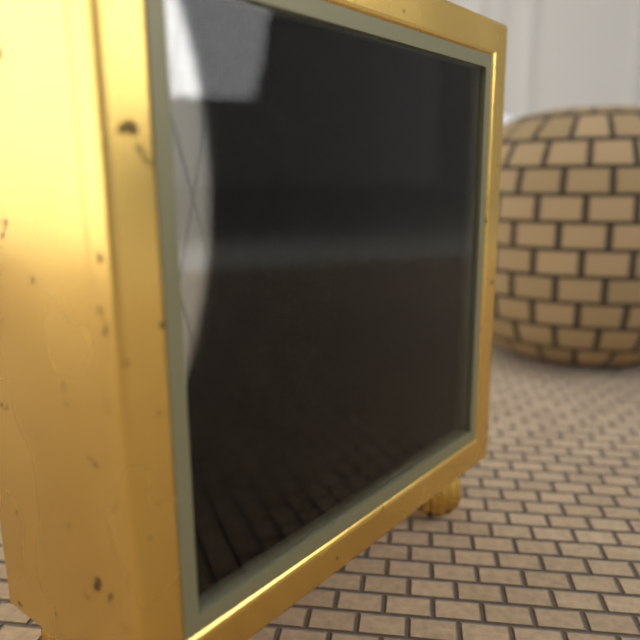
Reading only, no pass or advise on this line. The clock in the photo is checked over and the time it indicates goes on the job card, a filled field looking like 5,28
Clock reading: 4,01
